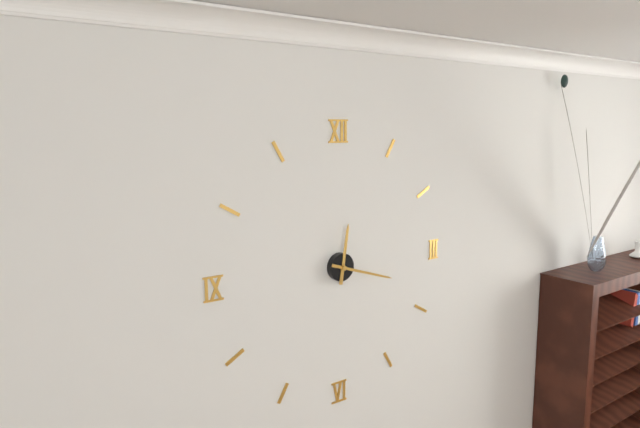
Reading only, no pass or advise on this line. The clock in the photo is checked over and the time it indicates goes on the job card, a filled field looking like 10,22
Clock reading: 12,18
